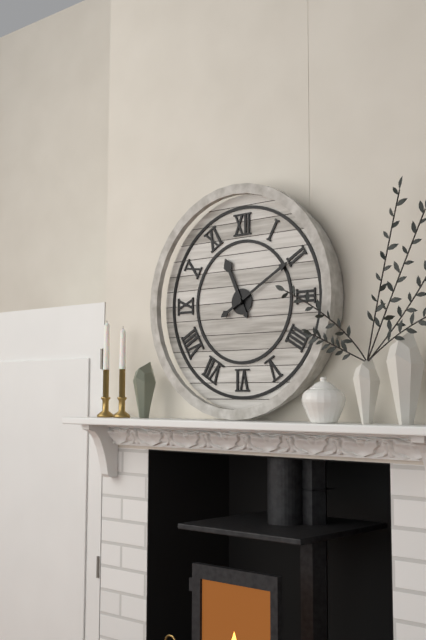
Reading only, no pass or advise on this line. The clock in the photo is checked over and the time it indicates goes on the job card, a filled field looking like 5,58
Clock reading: 11,10
